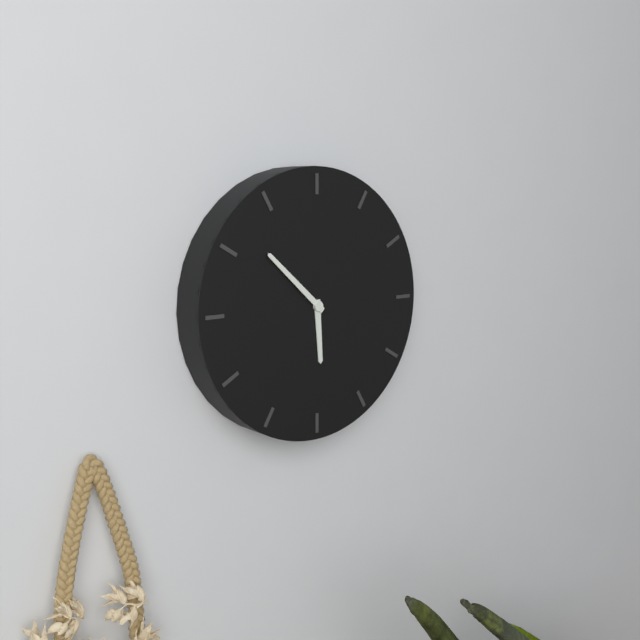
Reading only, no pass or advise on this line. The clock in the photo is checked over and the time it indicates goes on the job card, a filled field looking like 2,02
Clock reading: 5,52
